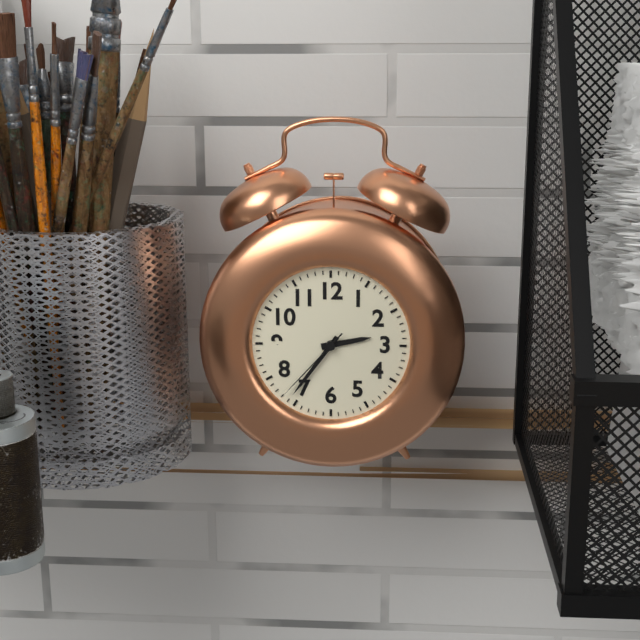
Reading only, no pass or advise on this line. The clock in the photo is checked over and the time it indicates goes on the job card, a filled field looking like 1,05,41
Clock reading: 2,36,37
